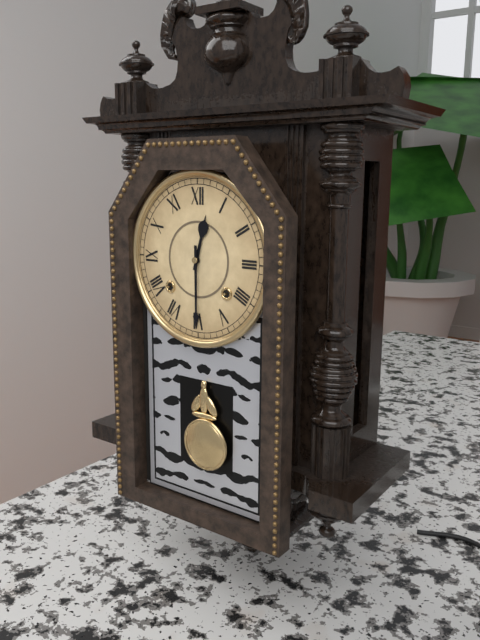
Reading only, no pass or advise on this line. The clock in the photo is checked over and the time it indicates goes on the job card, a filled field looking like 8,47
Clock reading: 12,30
